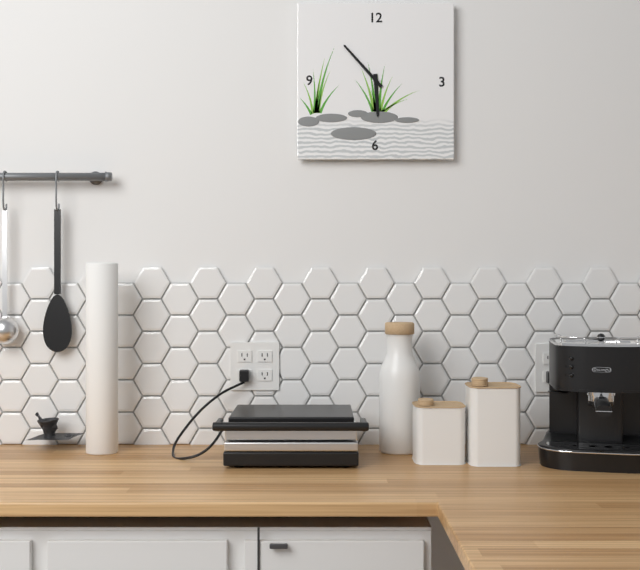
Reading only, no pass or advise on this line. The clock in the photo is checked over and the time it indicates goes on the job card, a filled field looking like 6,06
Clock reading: 5,53
